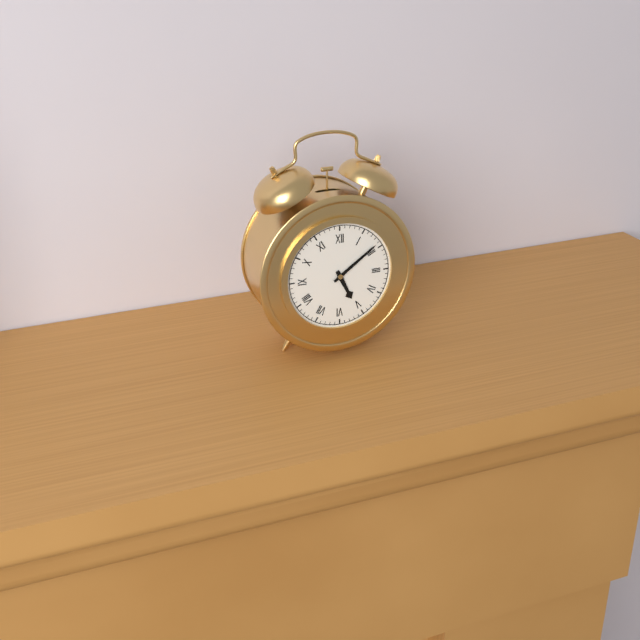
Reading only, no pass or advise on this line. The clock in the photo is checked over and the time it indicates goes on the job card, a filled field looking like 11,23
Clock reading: 5,09
